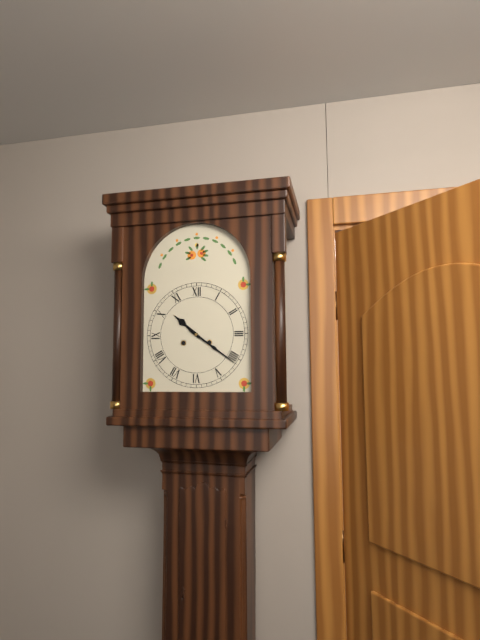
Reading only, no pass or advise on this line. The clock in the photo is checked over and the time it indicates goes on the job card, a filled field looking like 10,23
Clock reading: 10,21
